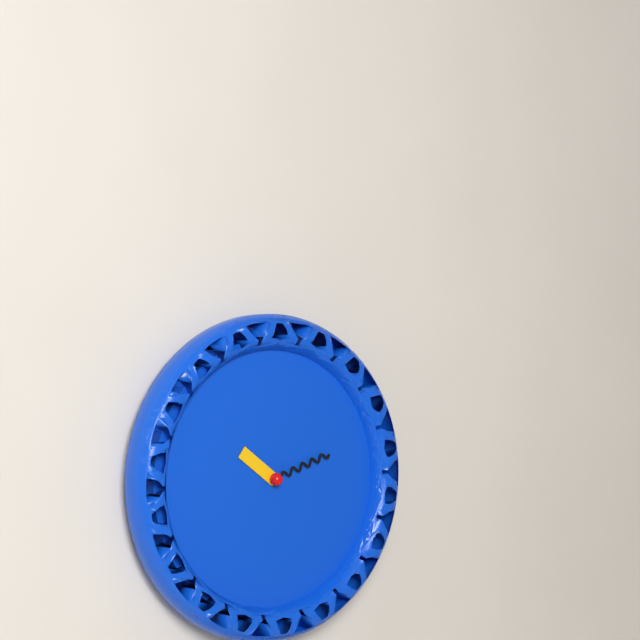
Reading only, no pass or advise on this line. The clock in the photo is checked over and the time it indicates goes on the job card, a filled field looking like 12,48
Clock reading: 10,12
